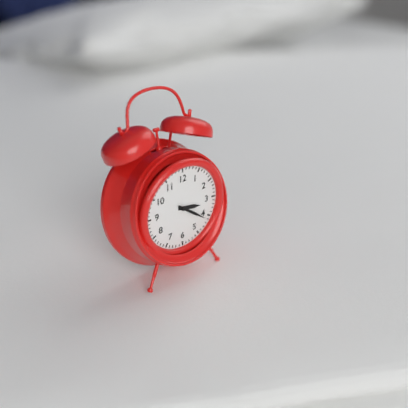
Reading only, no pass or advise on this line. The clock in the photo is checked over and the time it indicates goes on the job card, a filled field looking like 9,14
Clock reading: 3,21
